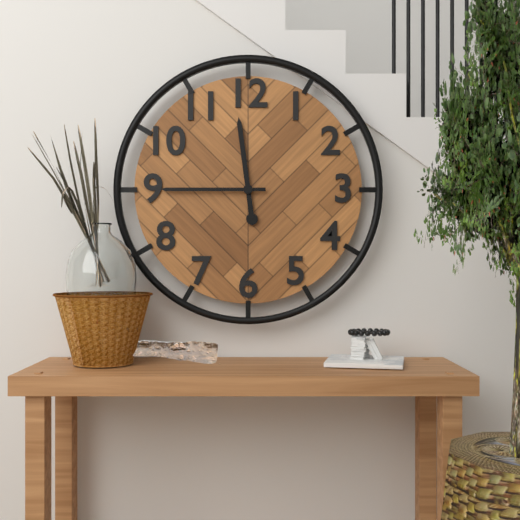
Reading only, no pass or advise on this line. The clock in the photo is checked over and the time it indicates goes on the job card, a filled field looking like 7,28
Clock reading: 11,45
